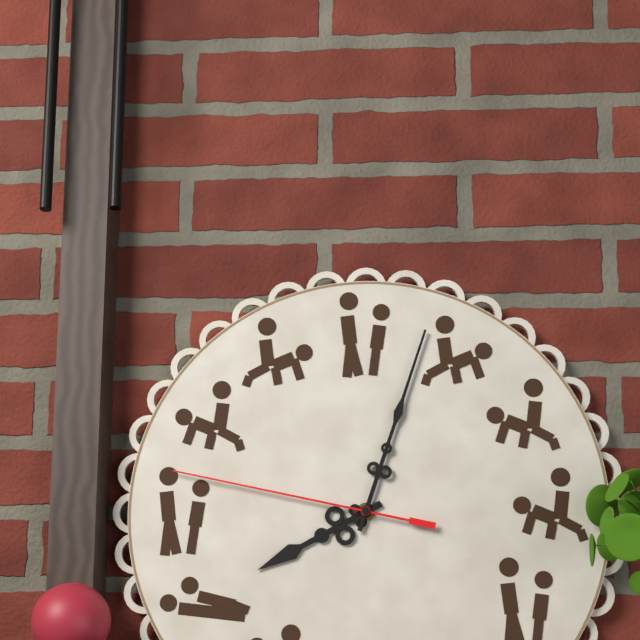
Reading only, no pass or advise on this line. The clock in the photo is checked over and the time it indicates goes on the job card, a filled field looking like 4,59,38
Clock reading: 8,03,47
